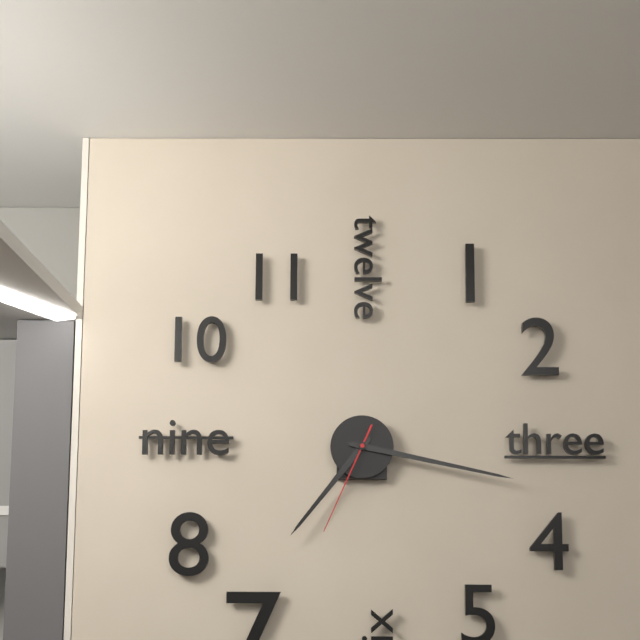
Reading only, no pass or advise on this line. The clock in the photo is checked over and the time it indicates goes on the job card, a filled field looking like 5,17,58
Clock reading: 7,17,34
